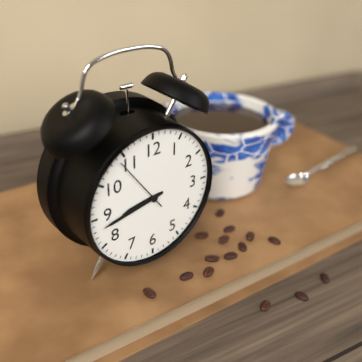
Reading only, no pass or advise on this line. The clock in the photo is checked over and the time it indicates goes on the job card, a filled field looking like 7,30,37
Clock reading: 8,43,54
